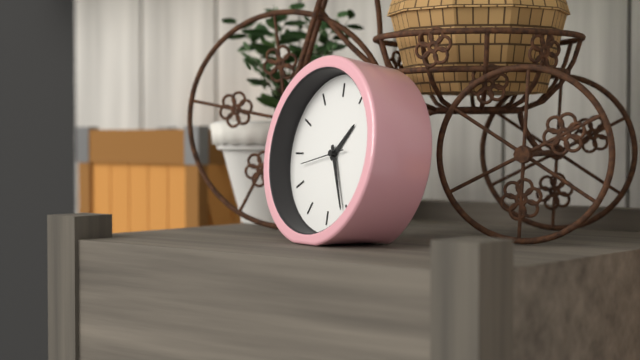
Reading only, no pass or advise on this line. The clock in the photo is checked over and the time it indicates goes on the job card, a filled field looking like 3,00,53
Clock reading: 1,26,43
